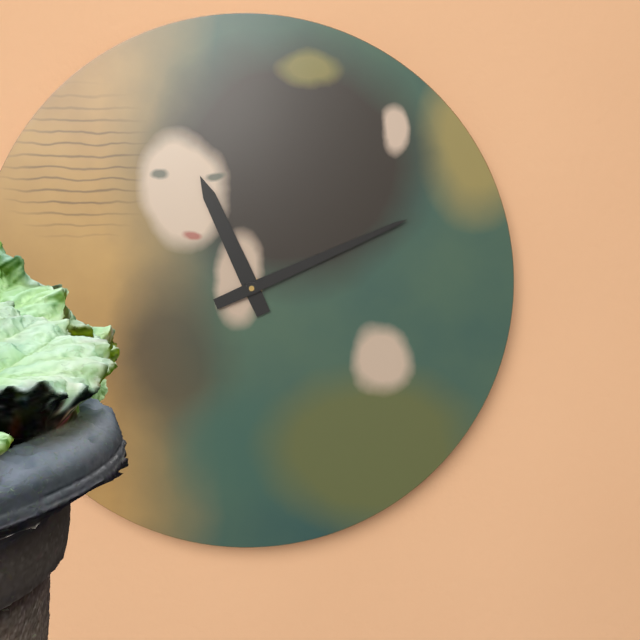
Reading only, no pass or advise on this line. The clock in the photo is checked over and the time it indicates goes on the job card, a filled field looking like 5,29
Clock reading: 11,11
